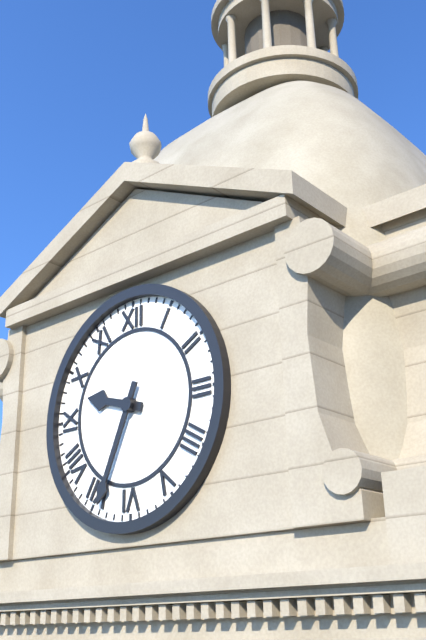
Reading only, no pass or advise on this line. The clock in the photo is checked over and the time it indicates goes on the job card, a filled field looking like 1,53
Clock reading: 9,34
